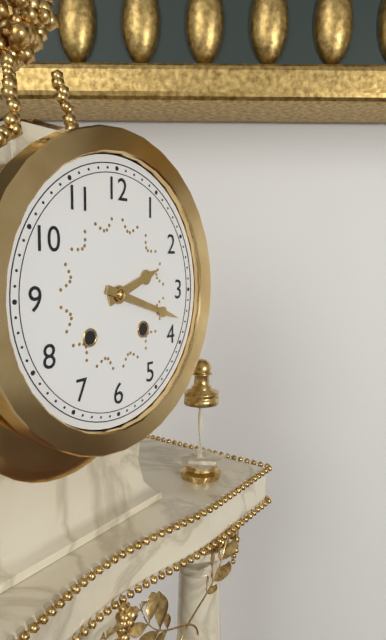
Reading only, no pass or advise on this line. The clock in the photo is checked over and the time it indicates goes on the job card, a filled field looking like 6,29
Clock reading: 2,18
